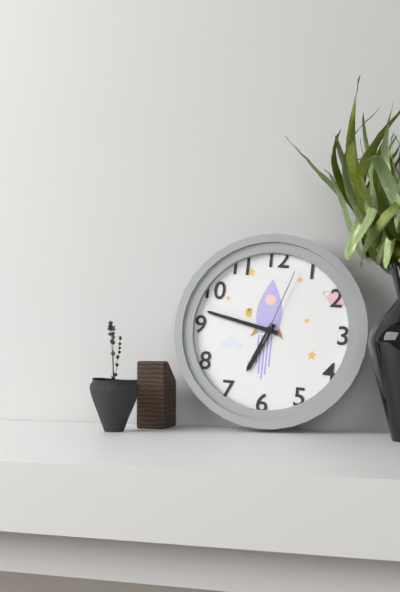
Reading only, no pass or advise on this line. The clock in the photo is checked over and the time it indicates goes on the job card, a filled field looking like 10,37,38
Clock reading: 6,47,03
